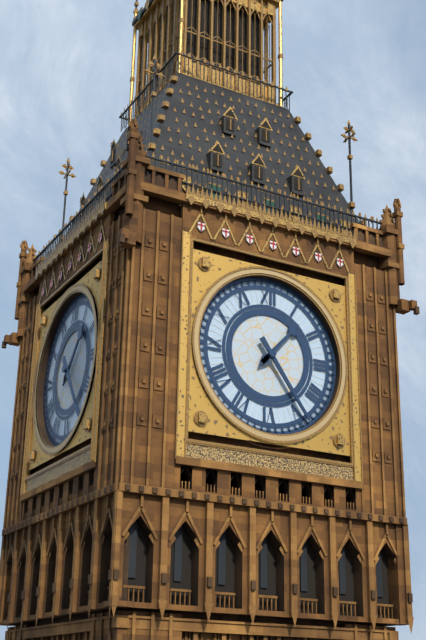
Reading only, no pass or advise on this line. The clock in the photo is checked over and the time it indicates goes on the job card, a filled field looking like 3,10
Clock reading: 1,24
